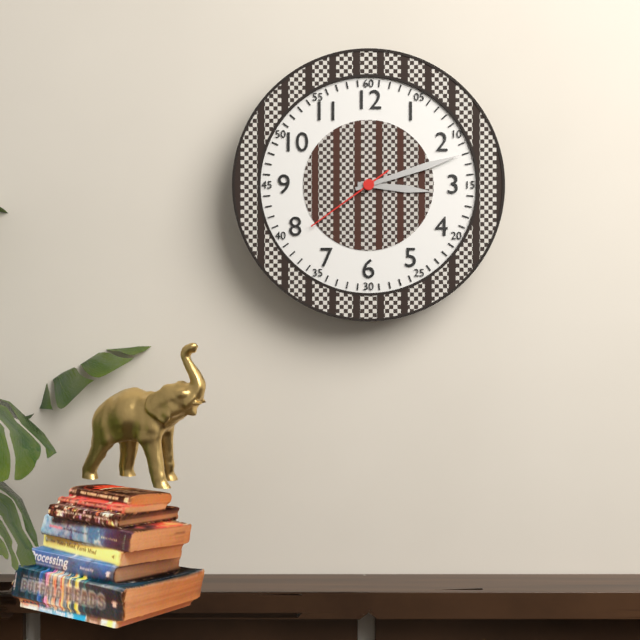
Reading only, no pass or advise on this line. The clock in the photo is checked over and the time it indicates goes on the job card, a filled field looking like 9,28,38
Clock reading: 3,12,39
